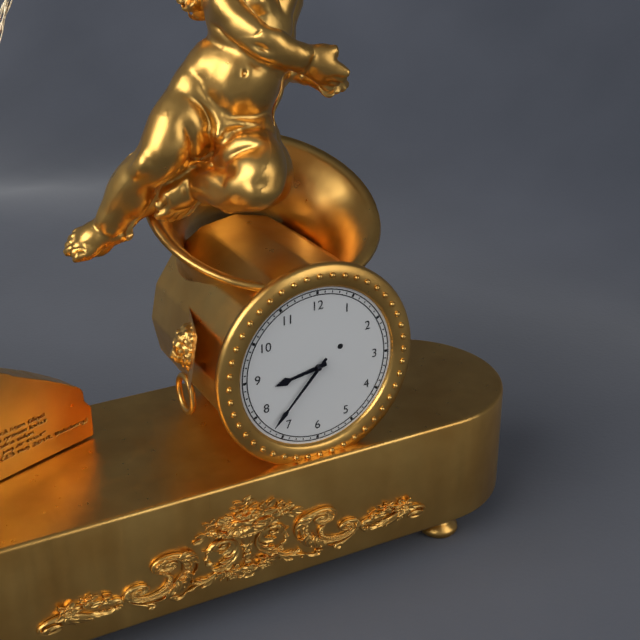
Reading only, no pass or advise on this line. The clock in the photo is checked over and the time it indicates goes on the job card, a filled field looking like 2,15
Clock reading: 8,37
